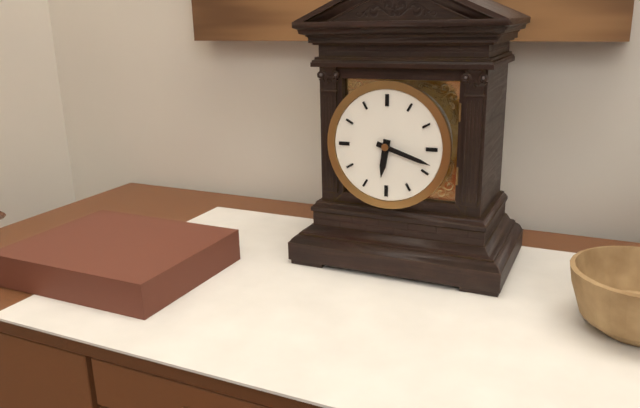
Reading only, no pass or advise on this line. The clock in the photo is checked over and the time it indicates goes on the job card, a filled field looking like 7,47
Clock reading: 6,18
